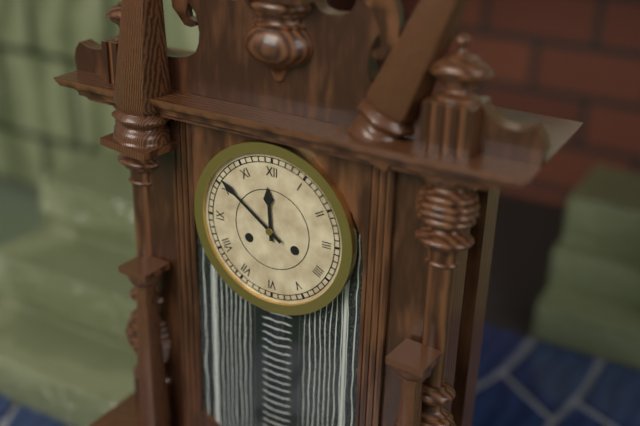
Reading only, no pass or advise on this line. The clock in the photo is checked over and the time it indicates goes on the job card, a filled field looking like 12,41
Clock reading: 11,51
